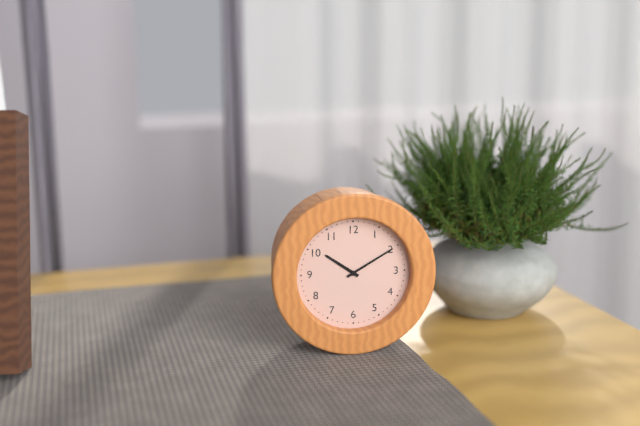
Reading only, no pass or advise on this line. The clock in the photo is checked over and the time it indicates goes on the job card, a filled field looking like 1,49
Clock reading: 10,10
